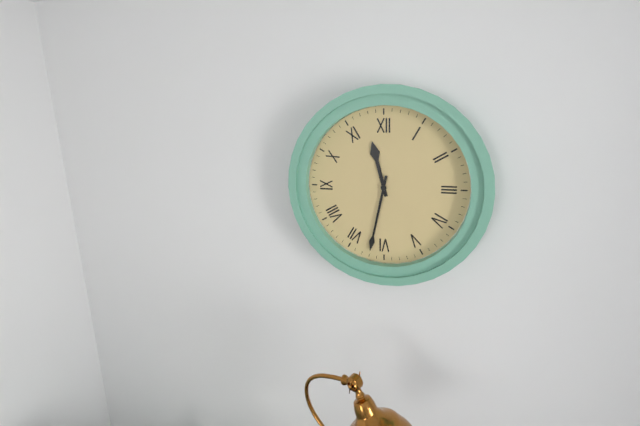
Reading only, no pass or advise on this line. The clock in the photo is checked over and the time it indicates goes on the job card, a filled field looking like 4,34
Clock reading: 11,32
